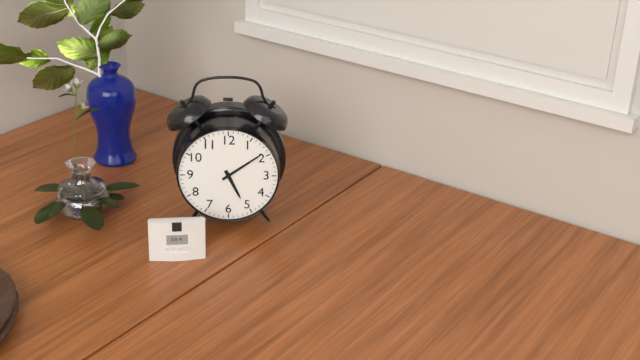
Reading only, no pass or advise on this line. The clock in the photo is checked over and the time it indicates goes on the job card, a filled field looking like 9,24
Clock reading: 5,09
